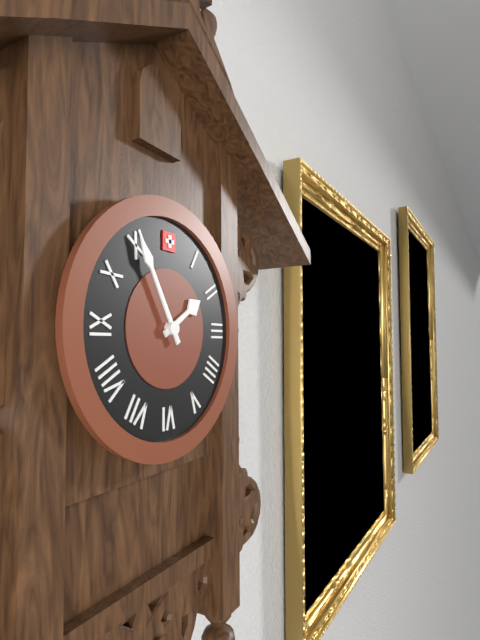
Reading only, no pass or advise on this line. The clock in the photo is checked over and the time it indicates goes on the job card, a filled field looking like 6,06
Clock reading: 1,55
